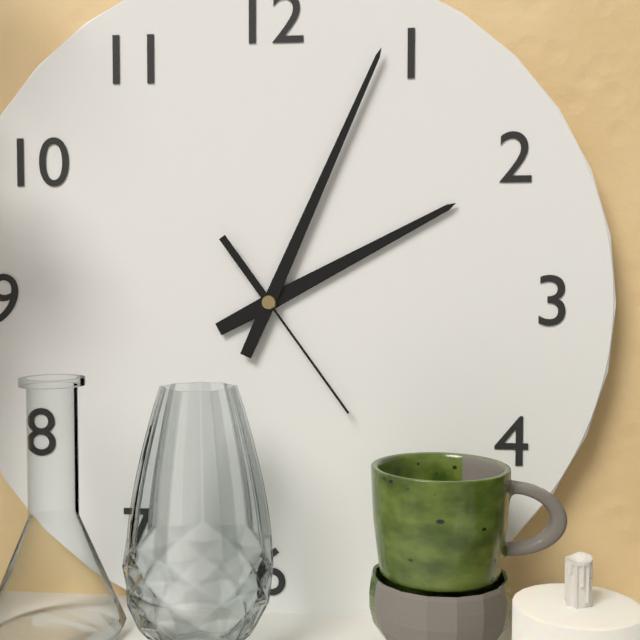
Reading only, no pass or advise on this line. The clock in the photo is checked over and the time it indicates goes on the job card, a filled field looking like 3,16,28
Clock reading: 2,04,24
